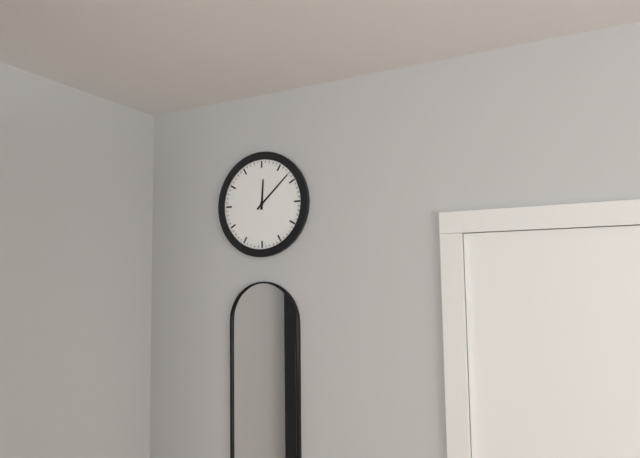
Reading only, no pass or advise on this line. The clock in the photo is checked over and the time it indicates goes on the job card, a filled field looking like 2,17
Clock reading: 12,08
